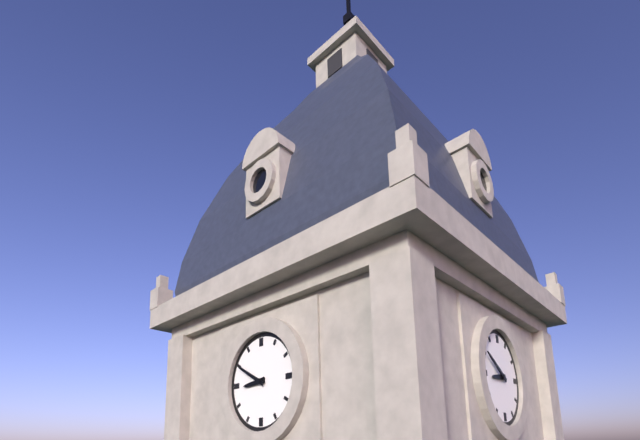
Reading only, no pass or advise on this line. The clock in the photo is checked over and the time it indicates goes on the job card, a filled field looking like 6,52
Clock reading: 8,50
